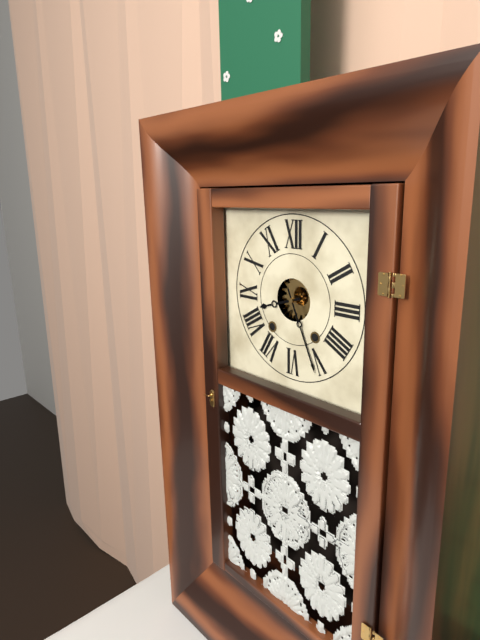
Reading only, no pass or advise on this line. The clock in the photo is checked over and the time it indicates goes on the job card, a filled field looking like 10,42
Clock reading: 8,26
